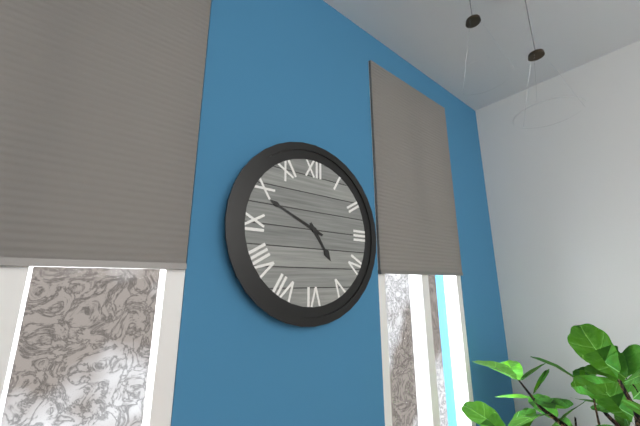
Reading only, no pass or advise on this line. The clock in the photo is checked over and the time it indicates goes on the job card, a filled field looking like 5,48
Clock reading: 4,49
